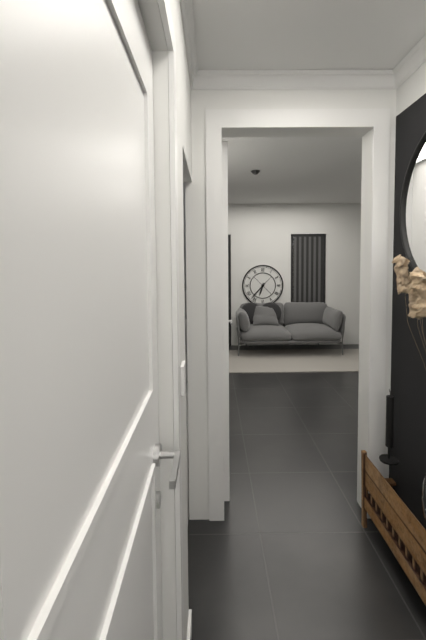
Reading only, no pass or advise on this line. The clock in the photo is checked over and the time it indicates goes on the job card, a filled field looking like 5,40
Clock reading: 6,37
